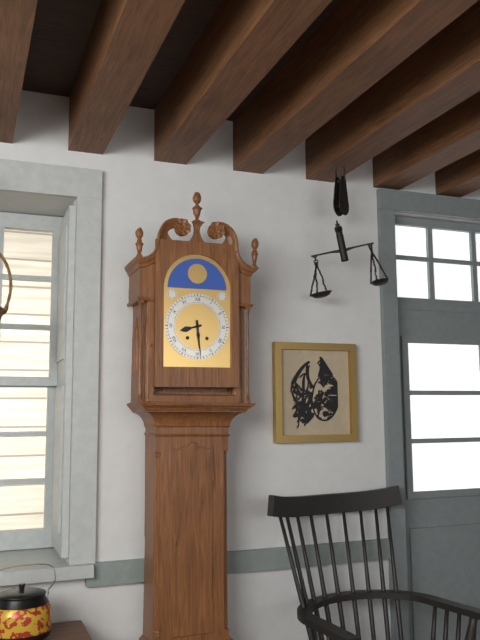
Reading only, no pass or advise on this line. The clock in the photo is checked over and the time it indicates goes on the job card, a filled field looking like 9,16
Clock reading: 8,29
